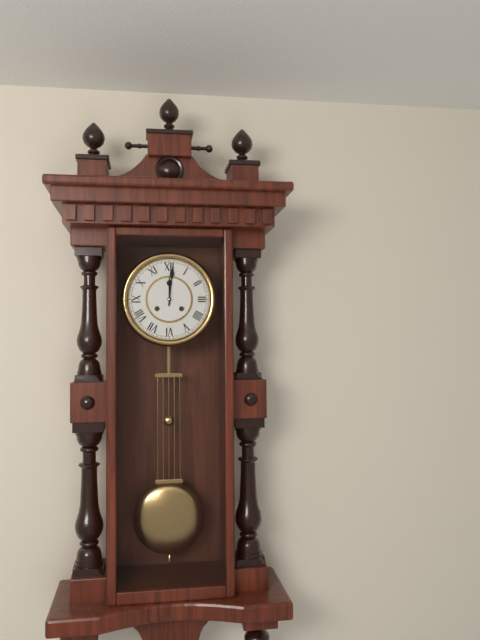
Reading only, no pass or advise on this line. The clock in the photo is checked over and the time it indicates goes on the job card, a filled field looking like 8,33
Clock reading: 12,01
